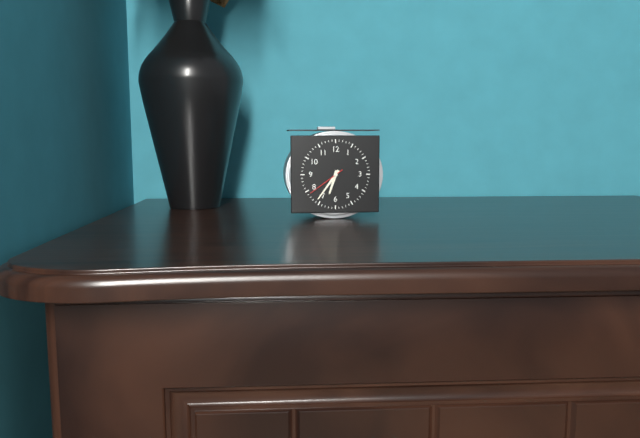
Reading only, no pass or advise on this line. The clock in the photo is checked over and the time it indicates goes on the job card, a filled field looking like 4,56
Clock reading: 6,36
